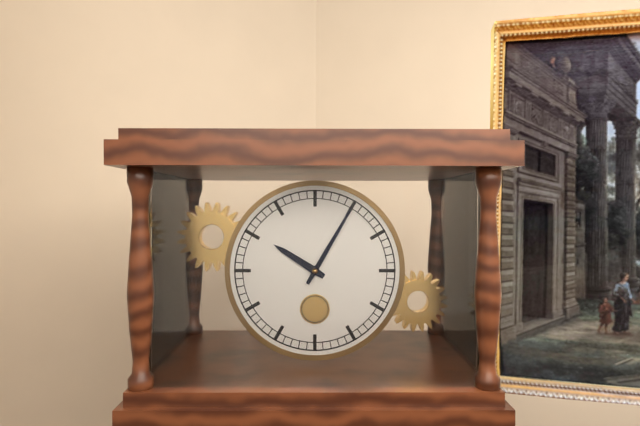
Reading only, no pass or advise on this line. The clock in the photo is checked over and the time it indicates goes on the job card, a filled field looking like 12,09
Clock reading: 10,05
